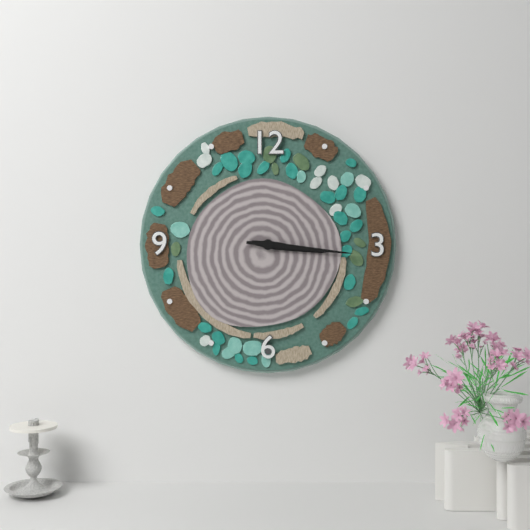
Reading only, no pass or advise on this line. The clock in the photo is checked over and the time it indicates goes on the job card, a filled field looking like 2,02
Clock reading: 3,16
